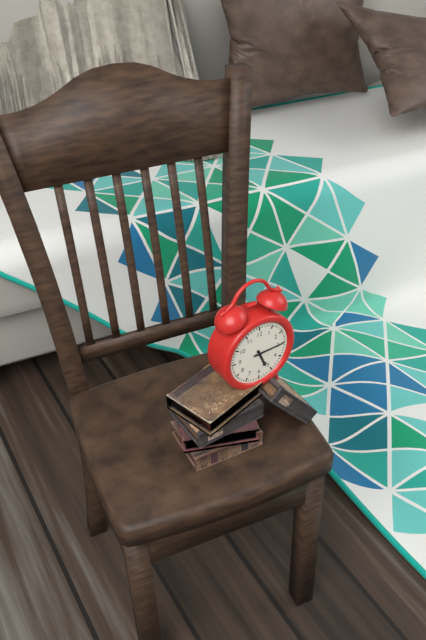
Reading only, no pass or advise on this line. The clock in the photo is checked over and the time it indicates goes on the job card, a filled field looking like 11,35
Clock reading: 5,15
